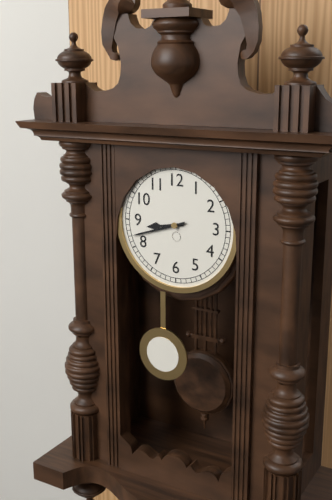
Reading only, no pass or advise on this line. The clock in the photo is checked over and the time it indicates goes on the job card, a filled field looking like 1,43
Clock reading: 8,42
